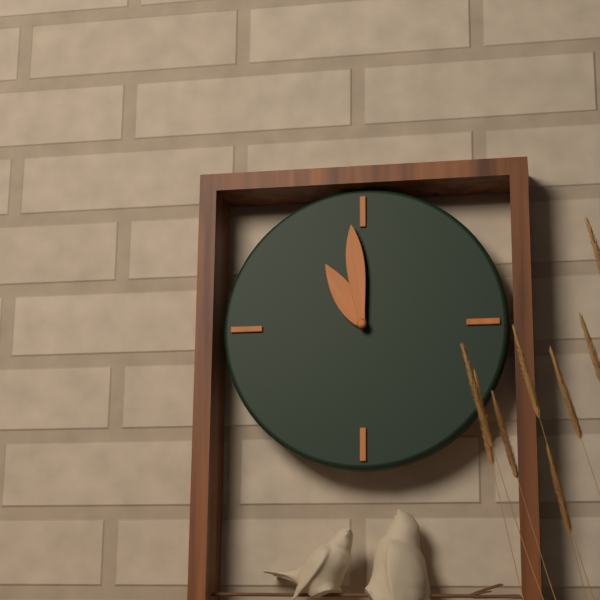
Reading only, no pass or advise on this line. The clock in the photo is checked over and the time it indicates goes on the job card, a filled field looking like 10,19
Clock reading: 10,59
